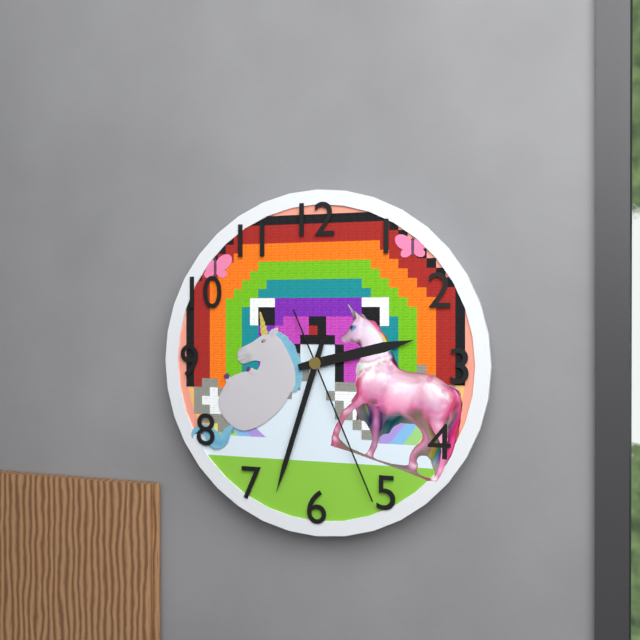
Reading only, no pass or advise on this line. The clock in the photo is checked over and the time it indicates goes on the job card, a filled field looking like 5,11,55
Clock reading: 2,33,26
